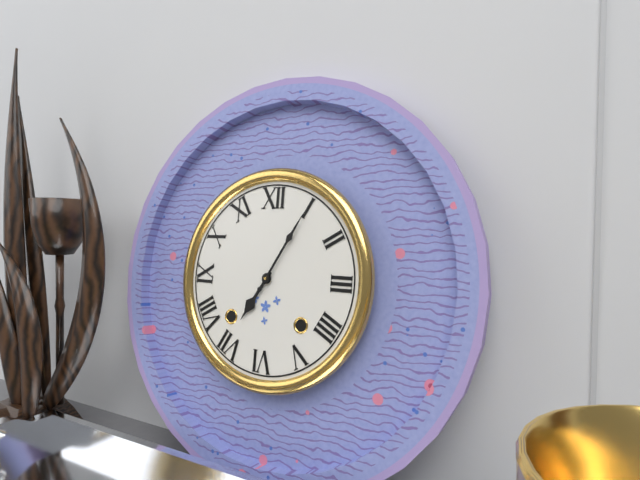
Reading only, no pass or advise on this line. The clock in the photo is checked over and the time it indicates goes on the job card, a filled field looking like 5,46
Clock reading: 7,05
